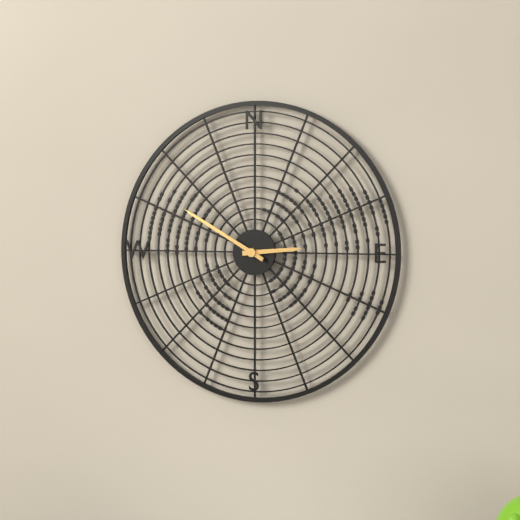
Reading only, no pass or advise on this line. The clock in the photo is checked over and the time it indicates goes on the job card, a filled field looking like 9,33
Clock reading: 2,50
